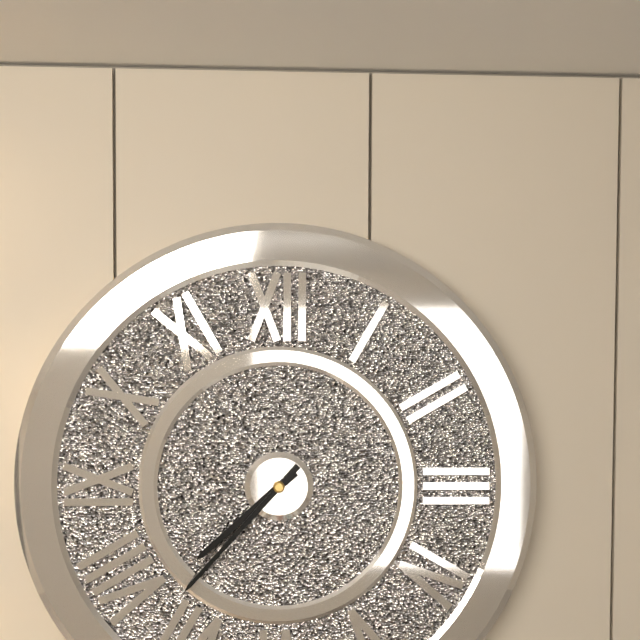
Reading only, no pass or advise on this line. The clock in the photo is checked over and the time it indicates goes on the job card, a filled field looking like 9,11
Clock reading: 7,37
